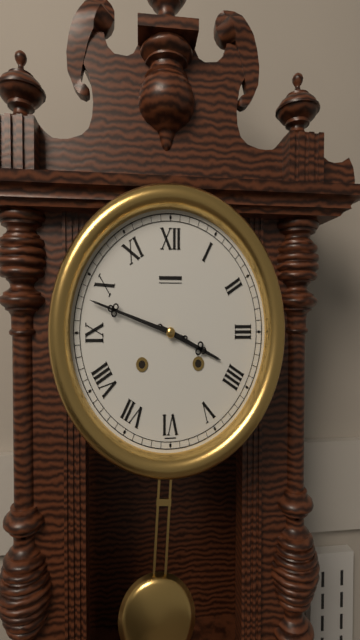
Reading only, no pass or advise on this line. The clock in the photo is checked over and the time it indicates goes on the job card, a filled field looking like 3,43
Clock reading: 3,48
